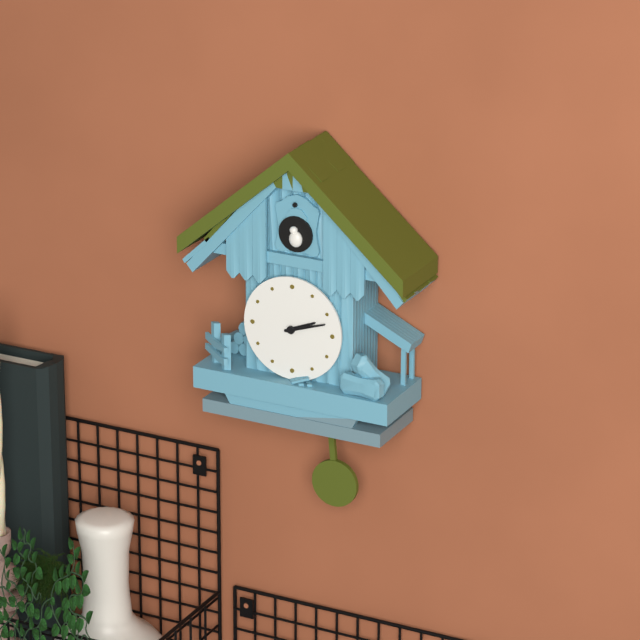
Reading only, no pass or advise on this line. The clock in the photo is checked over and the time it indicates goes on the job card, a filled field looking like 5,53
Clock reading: 2,12
